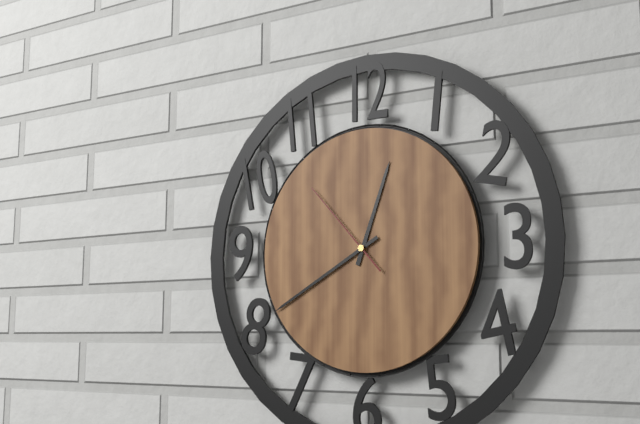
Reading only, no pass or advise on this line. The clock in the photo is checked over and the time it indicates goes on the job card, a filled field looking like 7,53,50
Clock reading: 12,40,53
